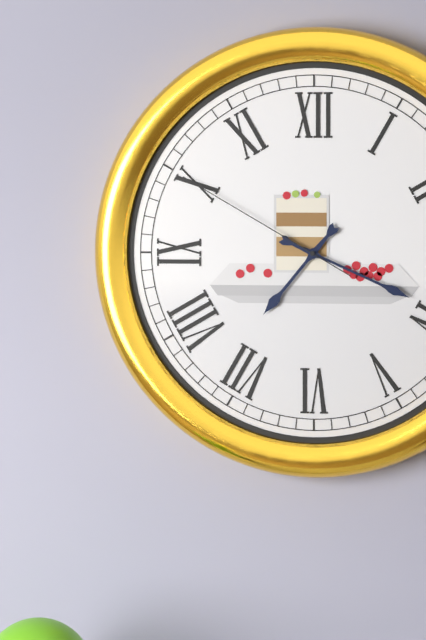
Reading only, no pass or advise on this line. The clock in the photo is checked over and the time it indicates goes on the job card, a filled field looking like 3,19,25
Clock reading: 7,19,50
